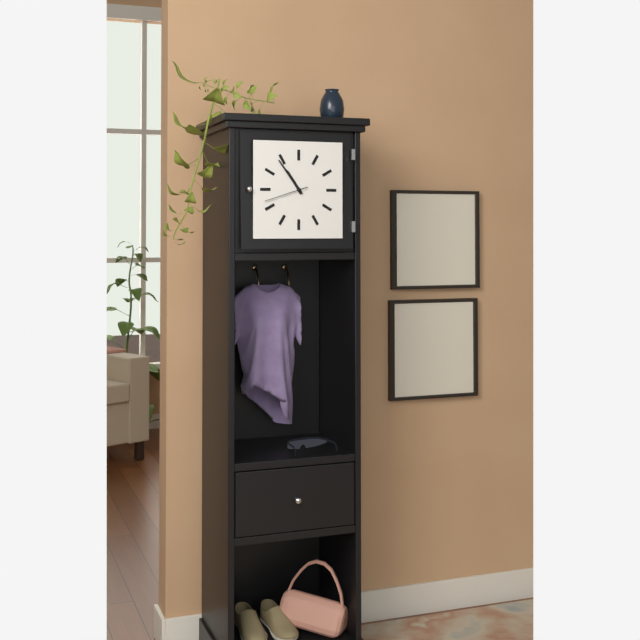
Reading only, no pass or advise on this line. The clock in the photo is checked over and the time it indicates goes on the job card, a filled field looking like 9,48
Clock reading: 10,54
